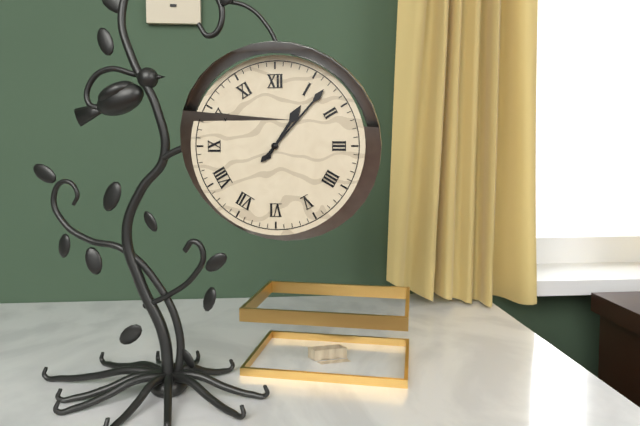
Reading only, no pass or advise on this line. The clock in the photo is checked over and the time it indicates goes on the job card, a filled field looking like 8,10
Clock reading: 1,07
